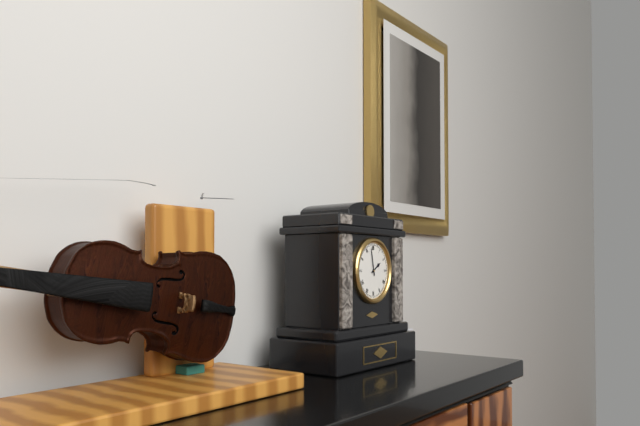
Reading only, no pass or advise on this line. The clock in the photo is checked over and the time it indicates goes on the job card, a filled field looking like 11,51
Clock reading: 1,58
